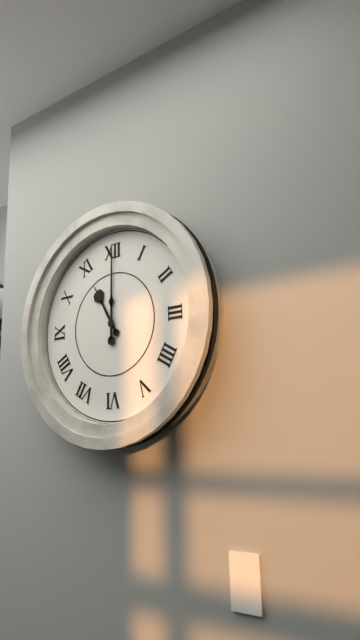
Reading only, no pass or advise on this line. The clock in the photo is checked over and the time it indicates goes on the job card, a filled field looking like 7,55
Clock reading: 11,00
